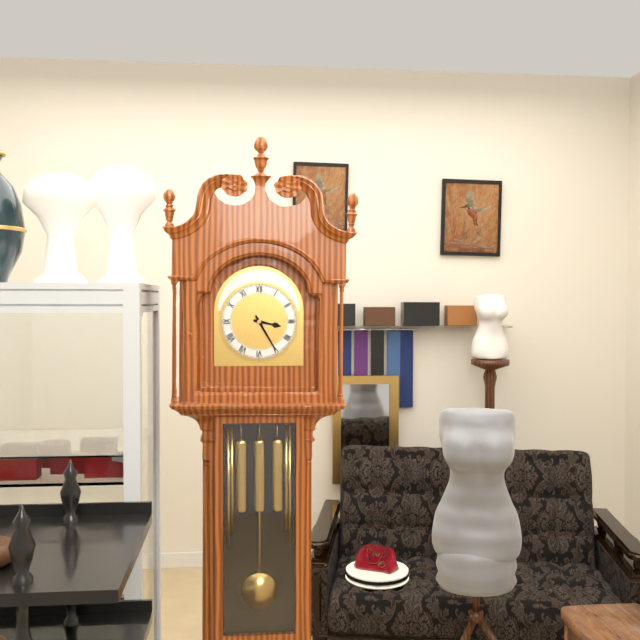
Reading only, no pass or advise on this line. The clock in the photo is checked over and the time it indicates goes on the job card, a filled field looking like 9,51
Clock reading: 3,25
